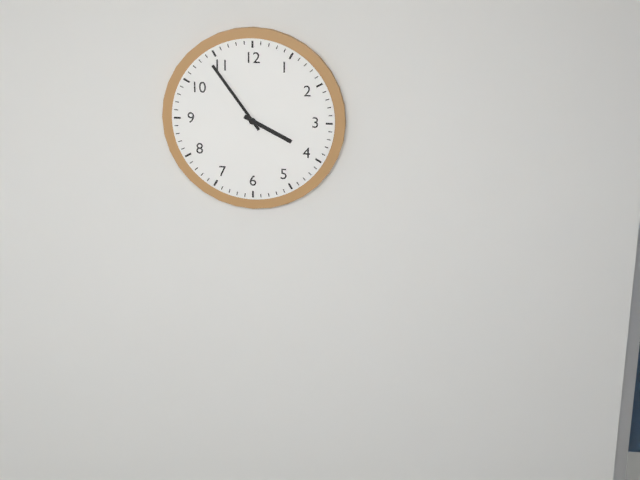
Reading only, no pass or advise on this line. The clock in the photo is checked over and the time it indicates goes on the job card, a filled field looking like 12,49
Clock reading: 3,54
